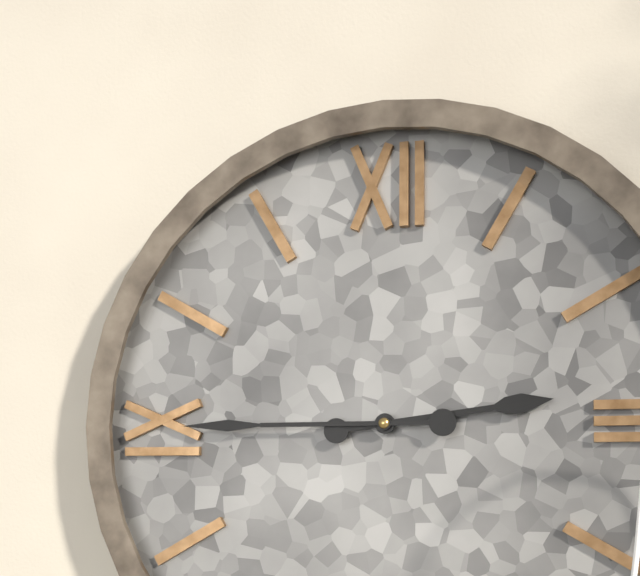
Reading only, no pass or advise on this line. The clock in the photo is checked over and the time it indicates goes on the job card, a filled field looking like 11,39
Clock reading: 2,45
